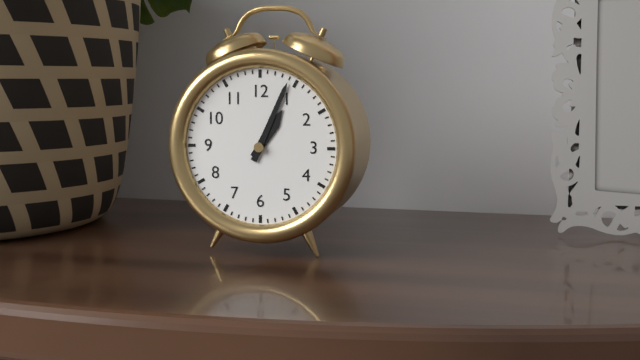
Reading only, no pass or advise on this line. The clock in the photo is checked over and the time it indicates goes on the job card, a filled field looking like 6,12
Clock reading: 1,04
